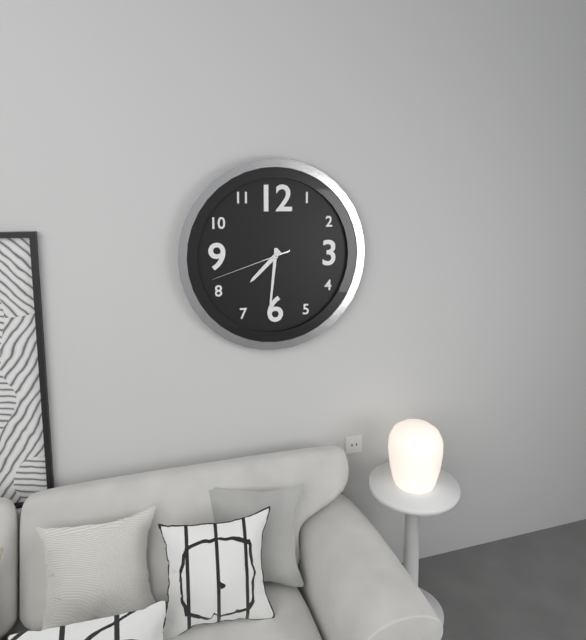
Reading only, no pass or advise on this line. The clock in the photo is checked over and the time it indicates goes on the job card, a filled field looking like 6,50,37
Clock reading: 7,31,42
